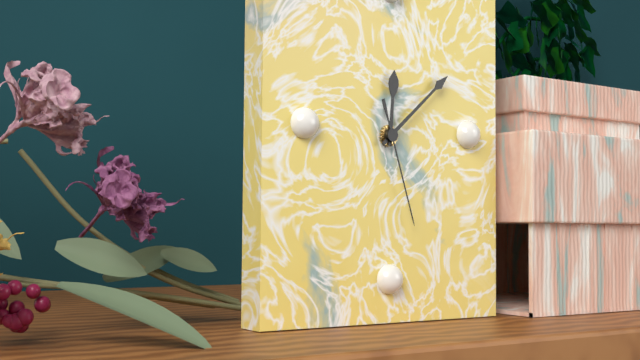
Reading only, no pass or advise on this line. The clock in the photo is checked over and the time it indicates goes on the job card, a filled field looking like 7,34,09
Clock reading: 12,08,27
